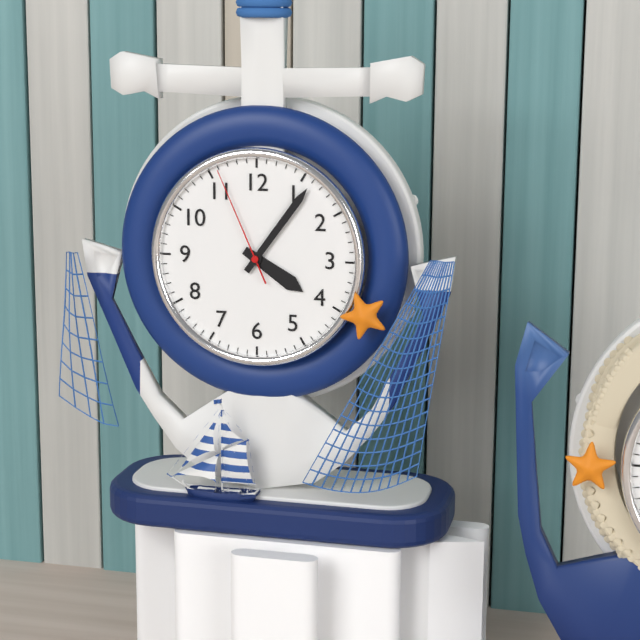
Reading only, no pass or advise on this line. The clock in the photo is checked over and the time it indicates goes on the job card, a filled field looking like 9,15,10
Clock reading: 4,06,56
